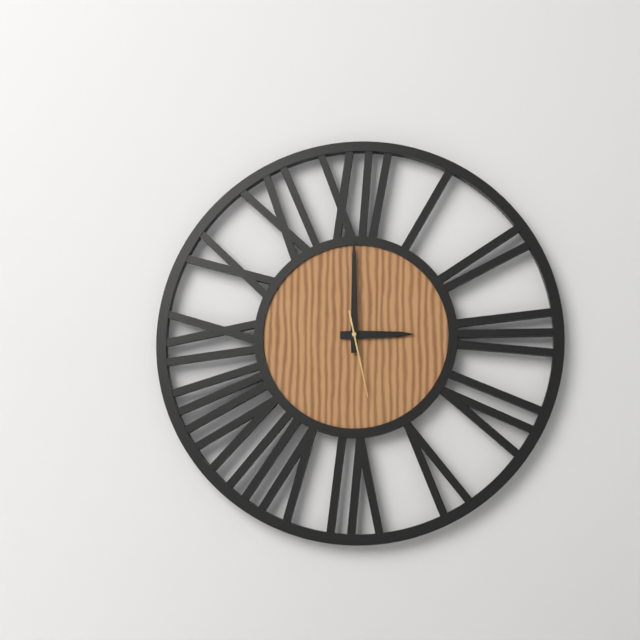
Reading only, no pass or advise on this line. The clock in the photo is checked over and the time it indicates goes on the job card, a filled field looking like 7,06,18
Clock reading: 3,00,28
